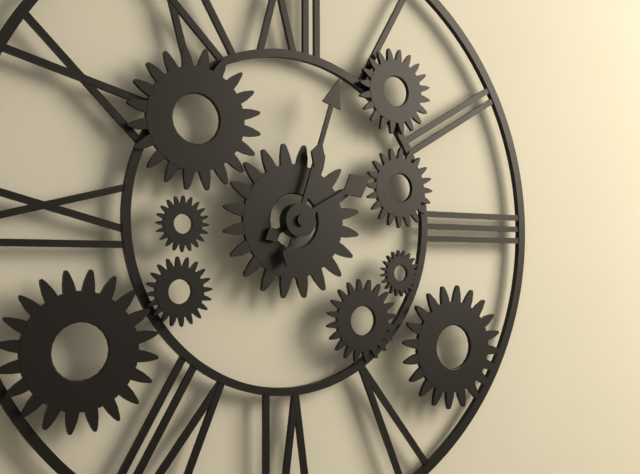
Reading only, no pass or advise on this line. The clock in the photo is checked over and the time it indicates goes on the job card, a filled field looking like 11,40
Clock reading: 2,03
